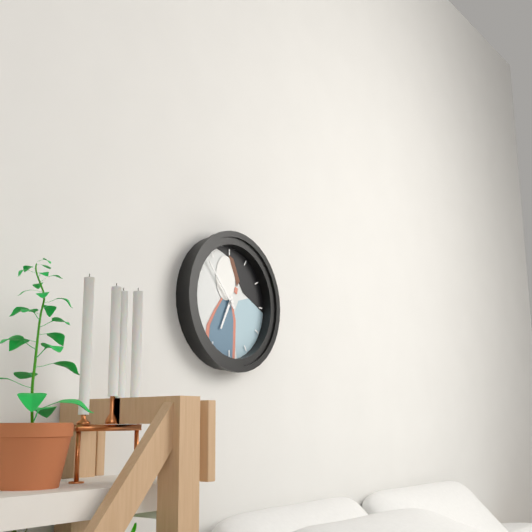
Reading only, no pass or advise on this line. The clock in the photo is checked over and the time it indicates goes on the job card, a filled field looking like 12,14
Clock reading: 6,53
